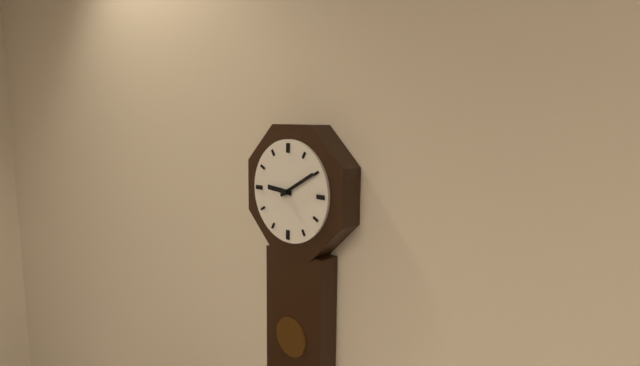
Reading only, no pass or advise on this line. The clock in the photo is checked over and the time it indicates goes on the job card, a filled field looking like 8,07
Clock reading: 9,10
